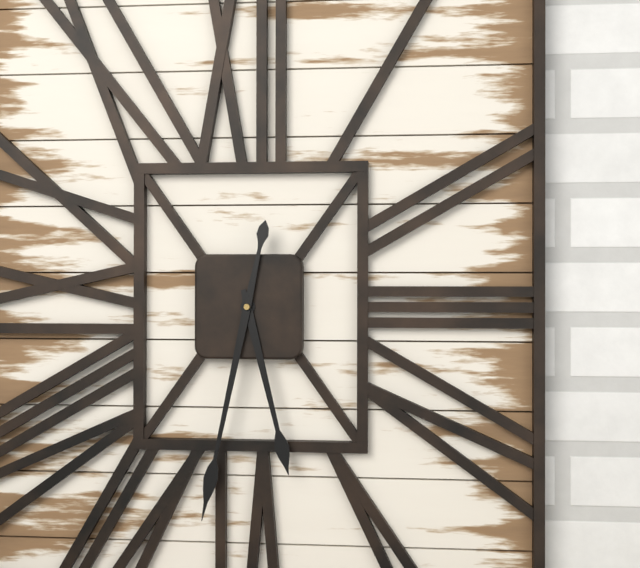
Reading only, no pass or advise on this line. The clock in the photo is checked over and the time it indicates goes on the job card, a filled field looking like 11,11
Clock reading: 5,32
